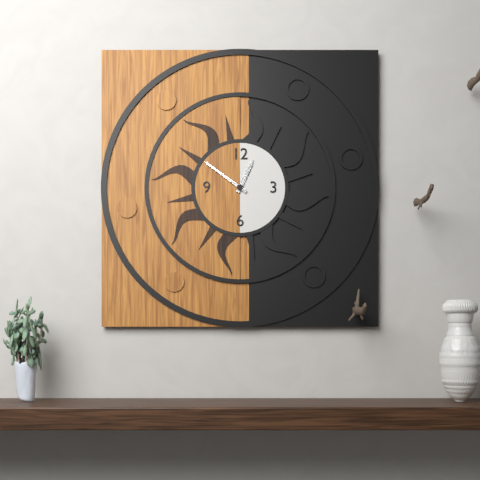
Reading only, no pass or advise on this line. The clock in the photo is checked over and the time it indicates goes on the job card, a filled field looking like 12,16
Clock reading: 12,51
